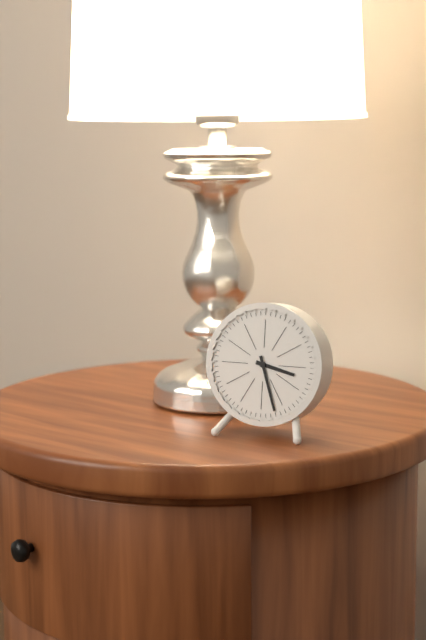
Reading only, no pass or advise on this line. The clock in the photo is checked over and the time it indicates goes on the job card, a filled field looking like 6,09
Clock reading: 3,27
